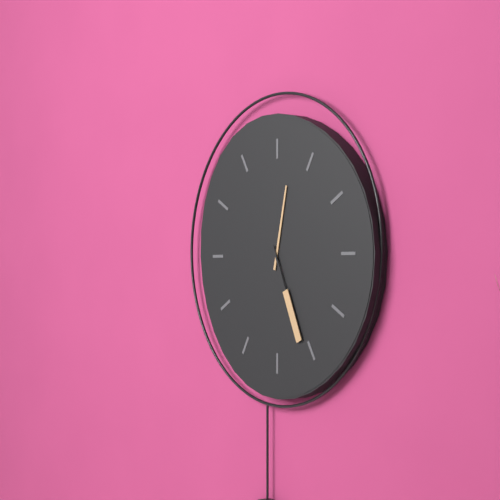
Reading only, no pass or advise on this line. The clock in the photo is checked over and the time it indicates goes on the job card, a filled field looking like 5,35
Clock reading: 12,26
